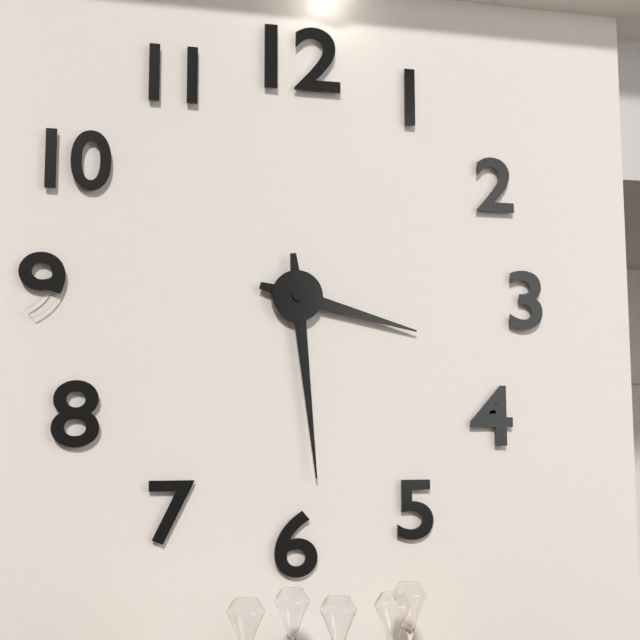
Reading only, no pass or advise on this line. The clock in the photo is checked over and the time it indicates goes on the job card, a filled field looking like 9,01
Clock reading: 3,29
